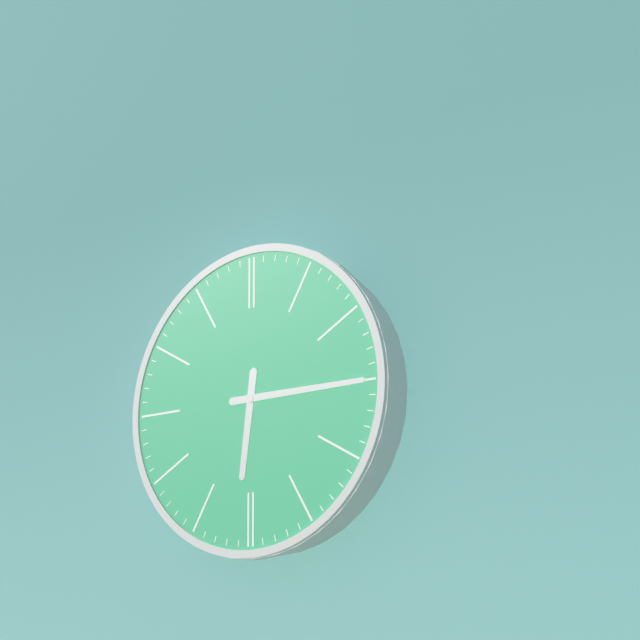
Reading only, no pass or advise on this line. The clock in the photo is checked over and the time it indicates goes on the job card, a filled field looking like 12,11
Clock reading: 6,15
